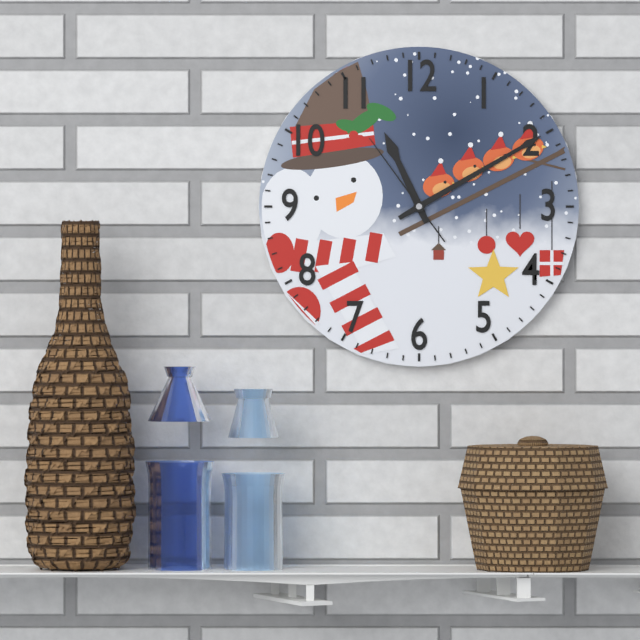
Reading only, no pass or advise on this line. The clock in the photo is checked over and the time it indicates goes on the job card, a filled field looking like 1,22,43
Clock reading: 11,10,54
